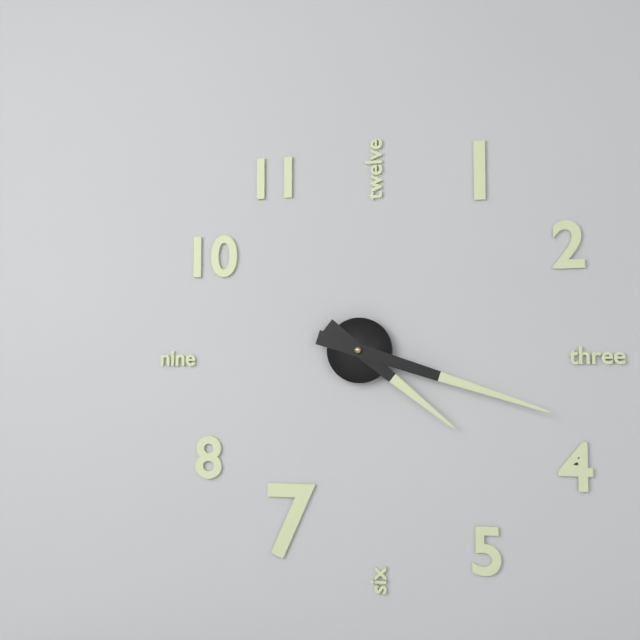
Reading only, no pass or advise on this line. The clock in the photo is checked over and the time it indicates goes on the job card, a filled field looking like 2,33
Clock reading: 4,18
